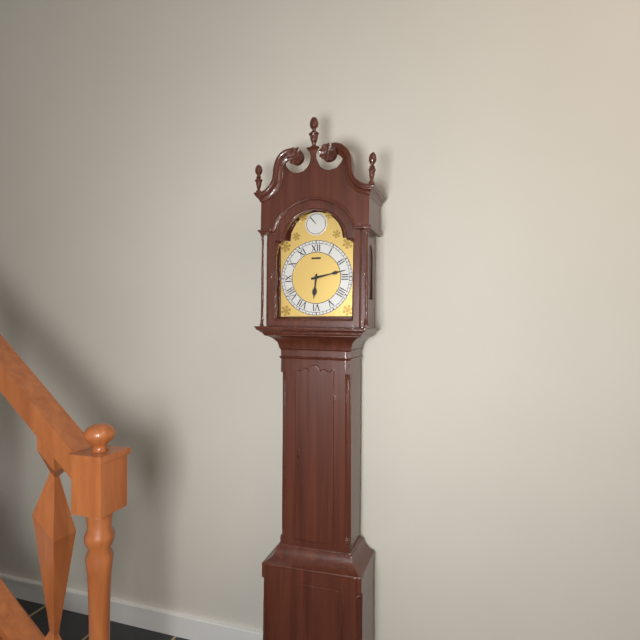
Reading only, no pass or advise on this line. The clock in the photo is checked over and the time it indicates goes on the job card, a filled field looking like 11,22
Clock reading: 6,13
